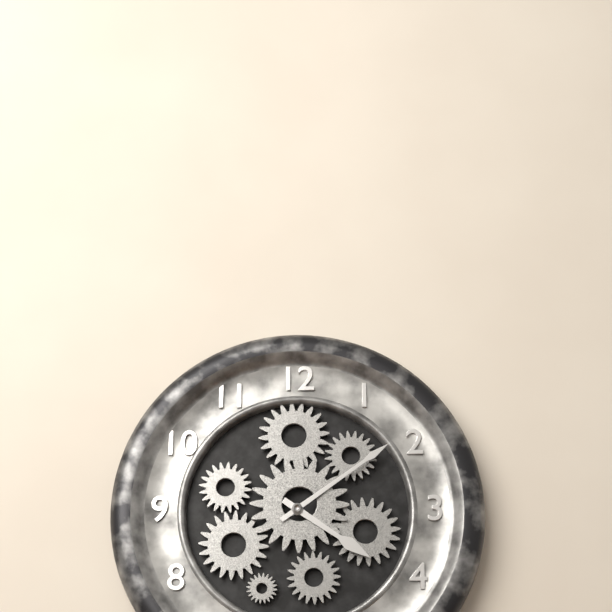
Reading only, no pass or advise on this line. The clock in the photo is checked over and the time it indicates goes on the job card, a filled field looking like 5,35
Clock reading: 4,09
